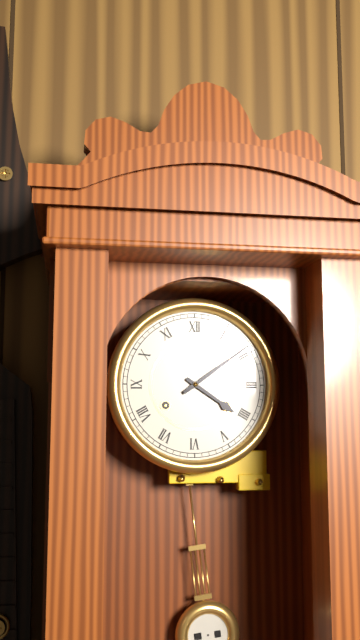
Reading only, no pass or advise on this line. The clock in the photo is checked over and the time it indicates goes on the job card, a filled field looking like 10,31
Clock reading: 4,09
